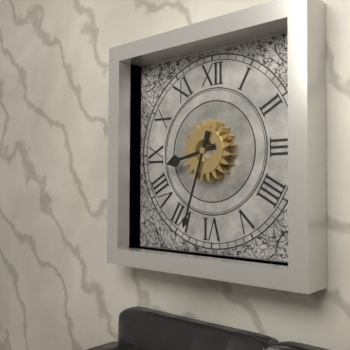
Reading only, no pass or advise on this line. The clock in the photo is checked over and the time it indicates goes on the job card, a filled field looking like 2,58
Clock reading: 8,33
